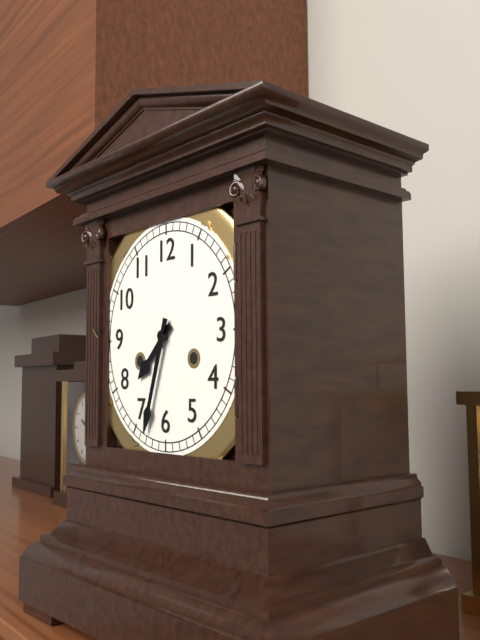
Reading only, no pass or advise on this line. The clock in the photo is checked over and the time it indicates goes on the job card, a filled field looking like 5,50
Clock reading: 7,33
